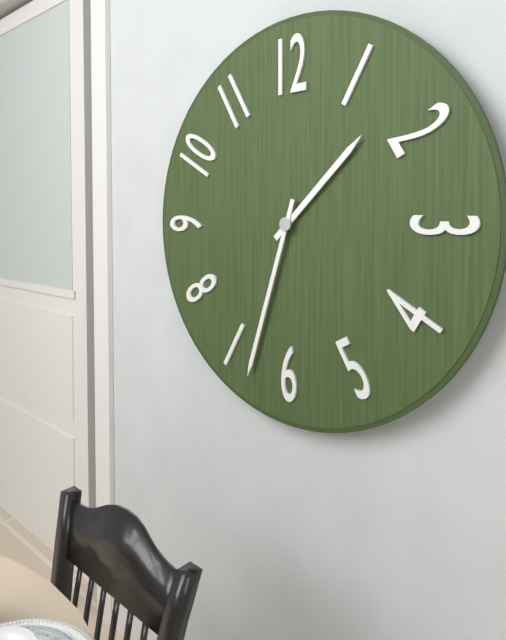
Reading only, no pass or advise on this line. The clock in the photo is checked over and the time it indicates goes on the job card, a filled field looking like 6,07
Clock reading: 1,33
